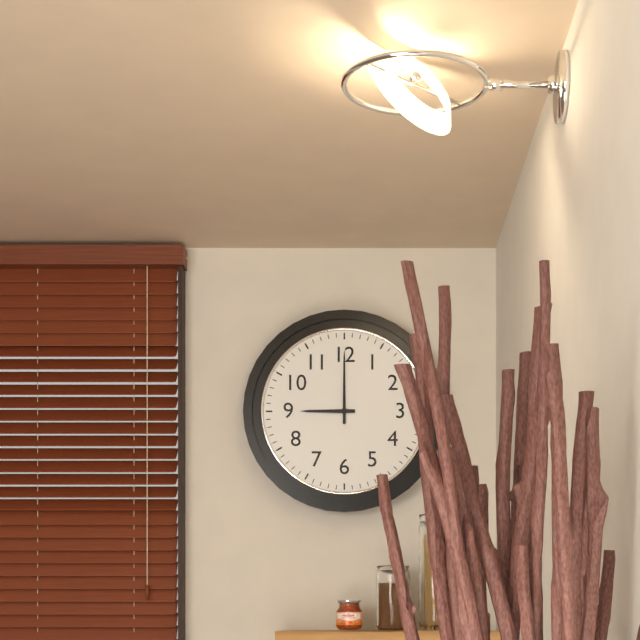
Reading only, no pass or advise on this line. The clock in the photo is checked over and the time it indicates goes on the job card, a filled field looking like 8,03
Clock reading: 9,00
